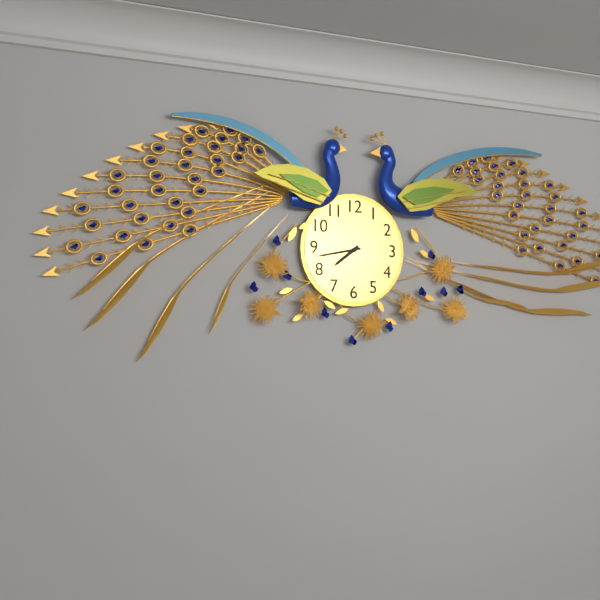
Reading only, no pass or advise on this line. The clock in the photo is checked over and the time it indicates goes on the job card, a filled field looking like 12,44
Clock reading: 7,43
